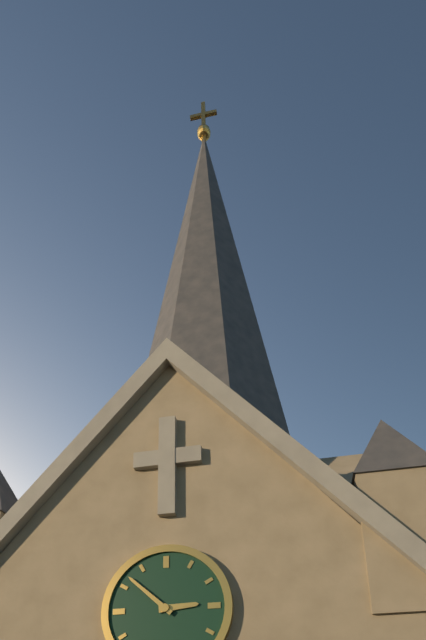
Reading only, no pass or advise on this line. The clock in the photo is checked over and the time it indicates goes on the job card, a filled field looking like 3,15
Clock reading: 2,52
